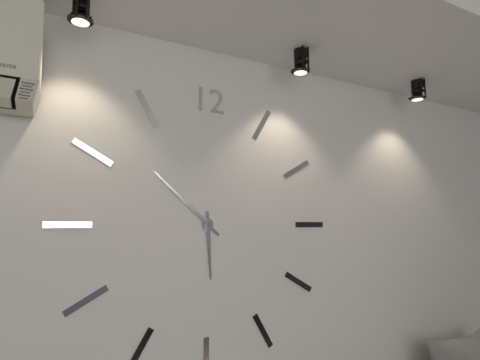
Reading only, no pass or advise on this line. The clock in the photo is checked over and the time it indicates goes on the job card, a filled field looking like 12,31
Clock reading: 5,52
